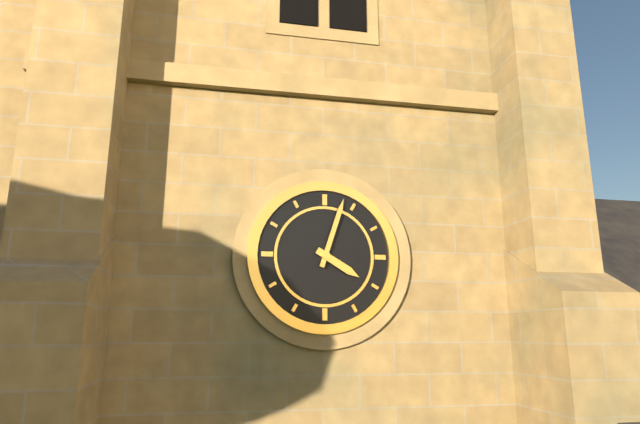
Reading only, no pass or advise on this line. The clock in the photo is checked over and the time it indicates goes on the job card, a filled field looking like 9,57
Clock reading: 4,03
